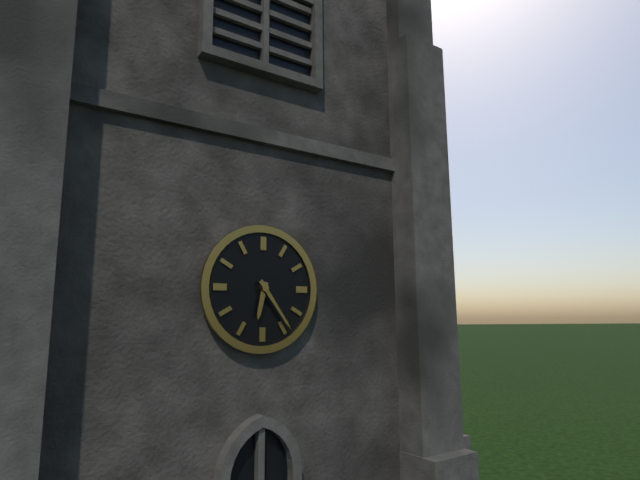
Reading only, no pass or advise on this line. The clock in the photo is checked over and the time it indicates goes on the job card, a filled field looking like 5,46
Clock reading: 6,24
